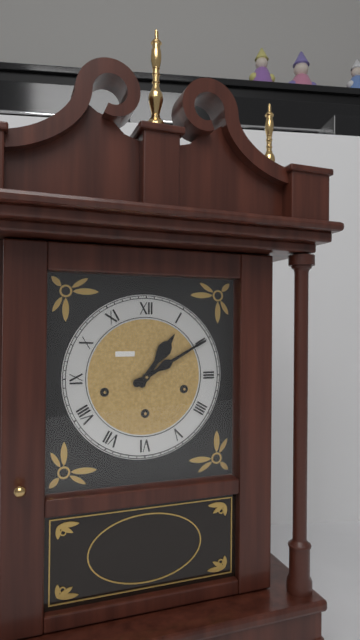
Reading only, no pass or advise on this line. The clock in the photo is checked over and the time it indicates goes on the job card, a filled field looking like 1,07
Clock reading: 1,10
